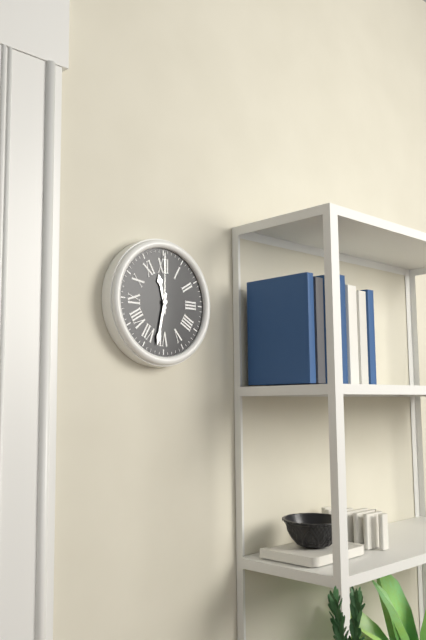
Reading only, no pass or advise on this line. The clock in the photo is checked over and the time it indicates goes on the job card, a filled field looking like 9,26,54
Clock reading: 11,32,00
